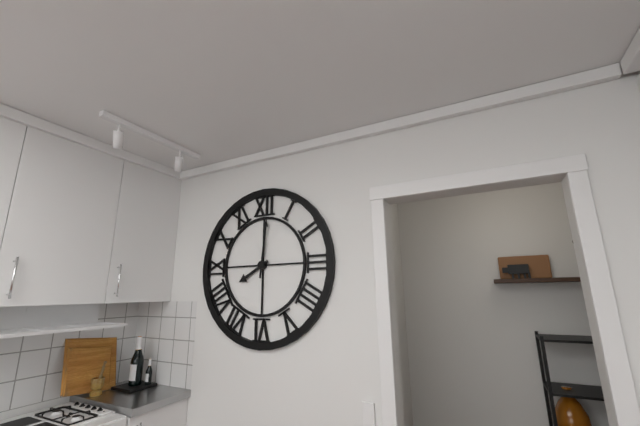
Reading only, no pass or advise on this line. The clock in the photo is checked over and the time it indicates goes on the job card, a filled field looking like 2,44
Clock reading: 8,01
